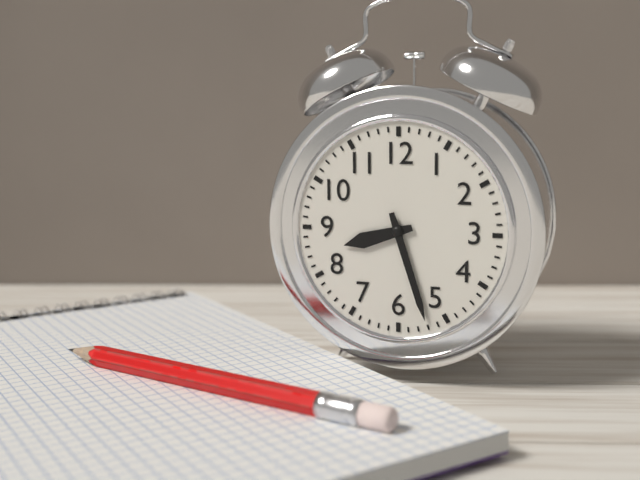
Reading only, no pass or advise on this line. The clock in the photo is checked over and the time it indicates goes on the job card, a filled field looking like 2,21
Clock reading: 8,27
